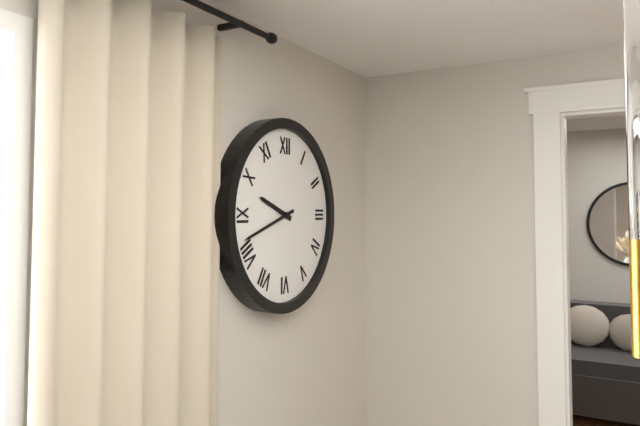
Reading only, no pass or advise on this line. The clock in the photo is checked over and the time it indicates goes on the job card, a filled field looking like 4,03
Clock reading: 9,42
